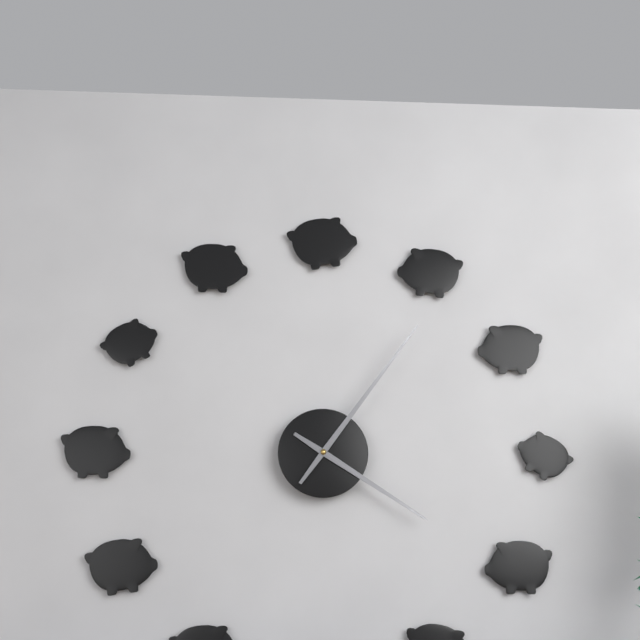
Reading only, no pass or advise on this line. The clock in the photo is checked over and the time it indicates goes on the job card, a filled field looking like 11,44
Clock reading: 4,06
